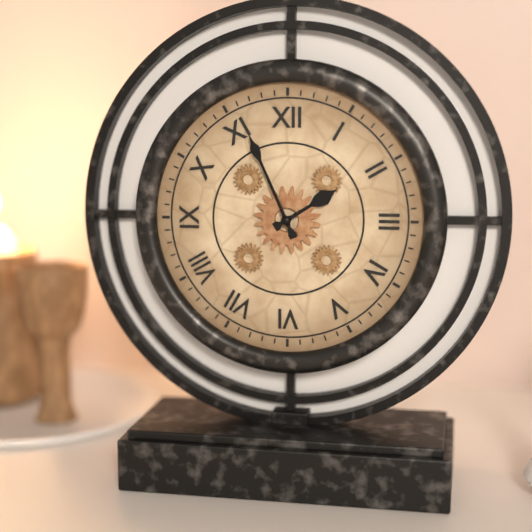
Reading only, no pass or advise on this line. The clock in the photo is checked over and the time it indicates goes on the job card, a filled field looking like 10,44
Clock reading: 1,56
